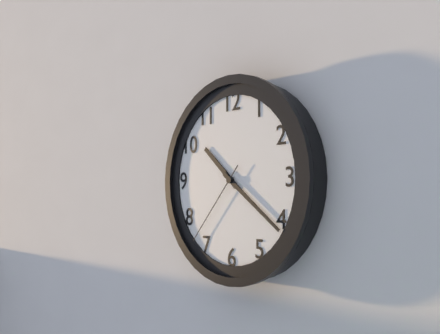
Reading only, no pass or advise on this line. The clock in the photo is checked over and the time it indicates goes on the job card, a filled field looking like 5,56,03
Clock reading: 10,21,37
